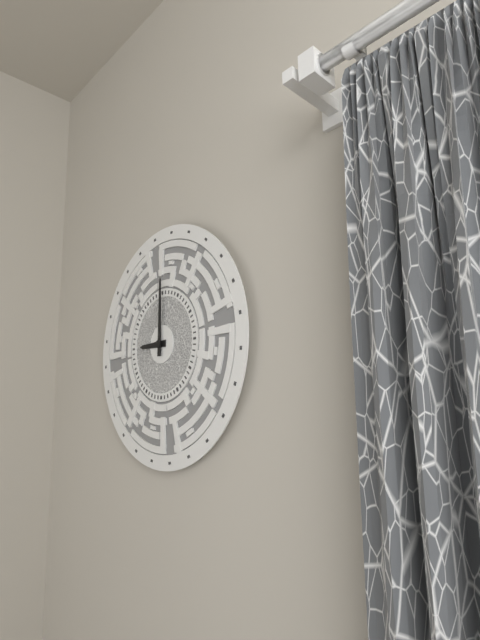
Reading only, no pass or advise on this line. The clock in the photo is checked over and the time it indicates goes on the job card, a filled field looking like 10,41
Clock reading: 9,00
